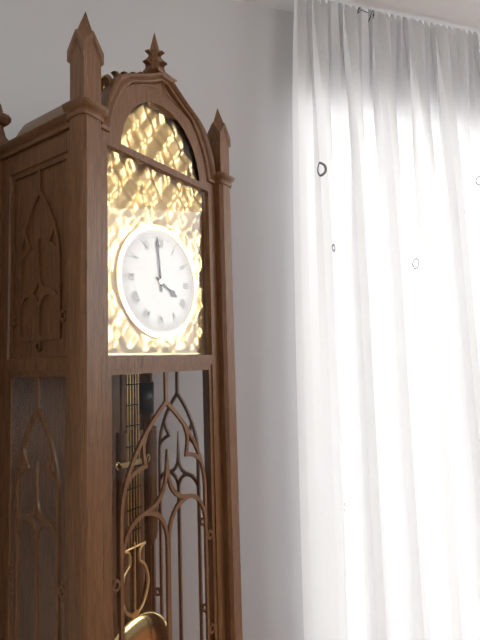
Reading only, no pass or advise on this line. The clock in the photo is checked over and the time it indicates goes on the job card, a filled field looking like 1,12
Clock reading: 3,59
